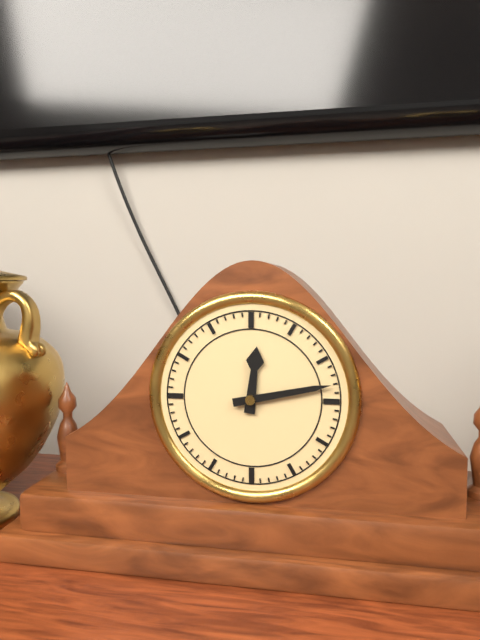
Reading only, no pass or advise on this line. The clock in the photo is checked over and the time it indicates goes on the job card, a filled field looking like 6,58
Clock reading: 12,13
